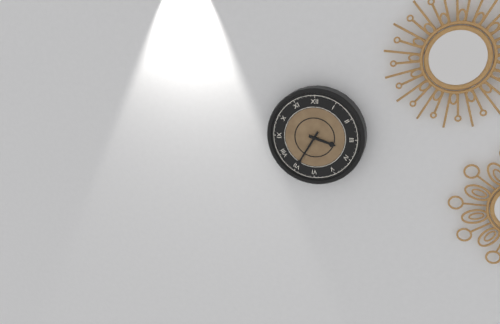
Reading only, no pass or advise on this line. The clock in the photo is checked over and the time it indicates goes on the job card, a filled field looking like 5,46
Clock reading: 3,35
